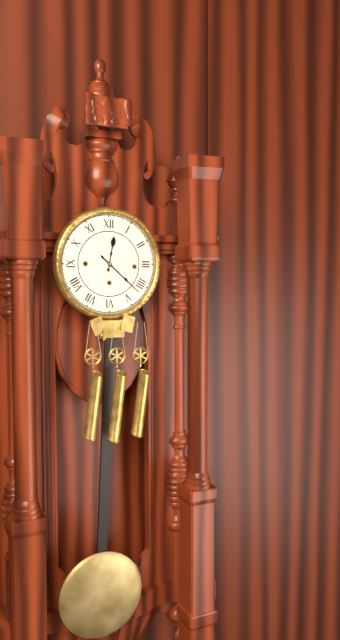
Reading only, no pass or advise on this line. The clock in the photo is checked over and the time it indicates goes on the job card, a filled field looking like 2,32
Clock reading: 12,22
